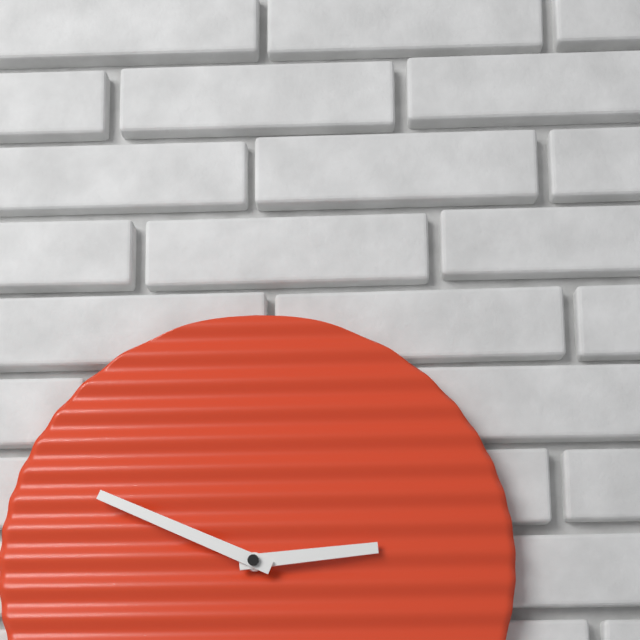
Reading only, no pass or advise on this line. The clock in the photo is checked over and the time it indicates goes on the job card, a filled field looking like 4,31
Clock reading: 2,49
